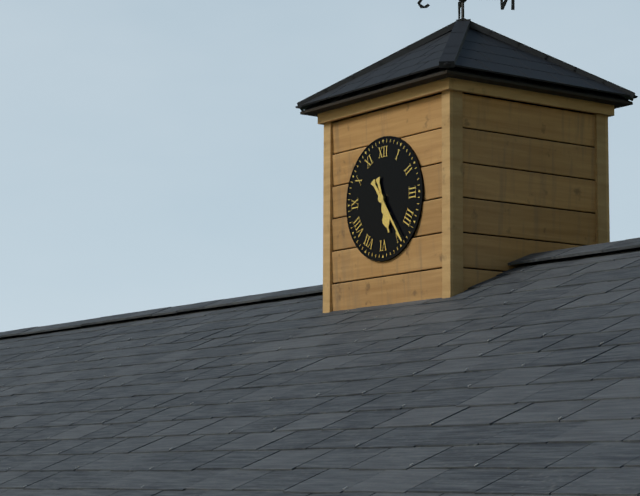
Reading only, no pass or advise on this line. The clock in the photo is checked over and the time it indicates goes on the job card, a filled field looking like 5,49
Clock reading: 5,24
